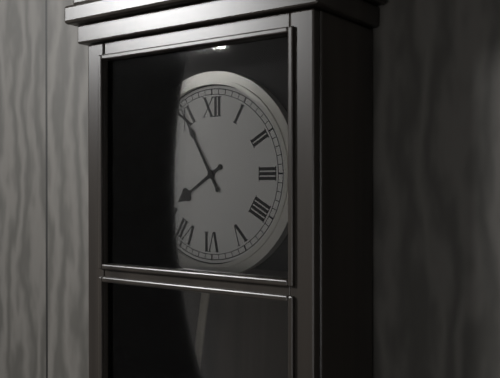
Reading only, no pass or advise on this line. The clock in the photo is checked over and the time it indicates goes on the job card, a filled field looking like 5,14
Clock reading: 7,55
